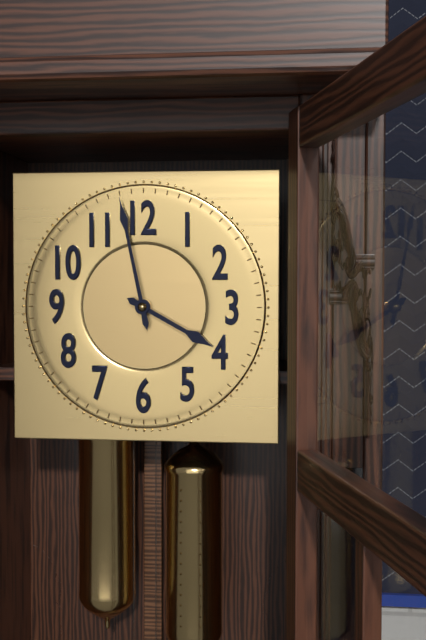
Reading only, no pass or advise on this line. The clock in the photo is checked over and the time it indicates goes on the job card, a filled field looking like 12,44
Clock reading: 3,58
